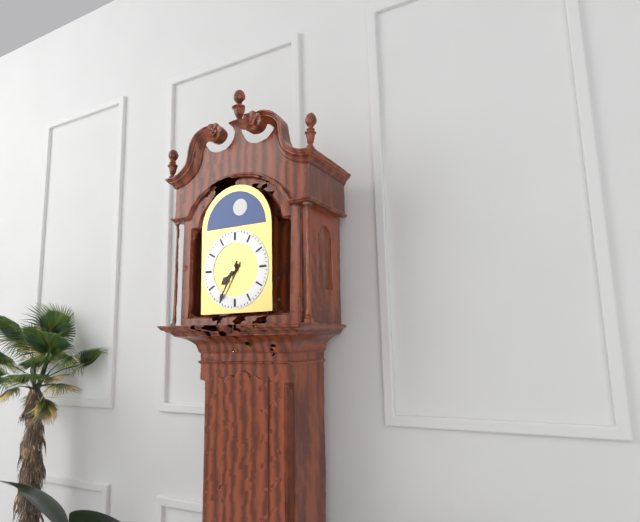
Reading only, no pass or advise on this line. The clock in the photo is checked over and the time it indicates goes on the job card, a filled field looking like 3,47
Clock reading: 7,35
